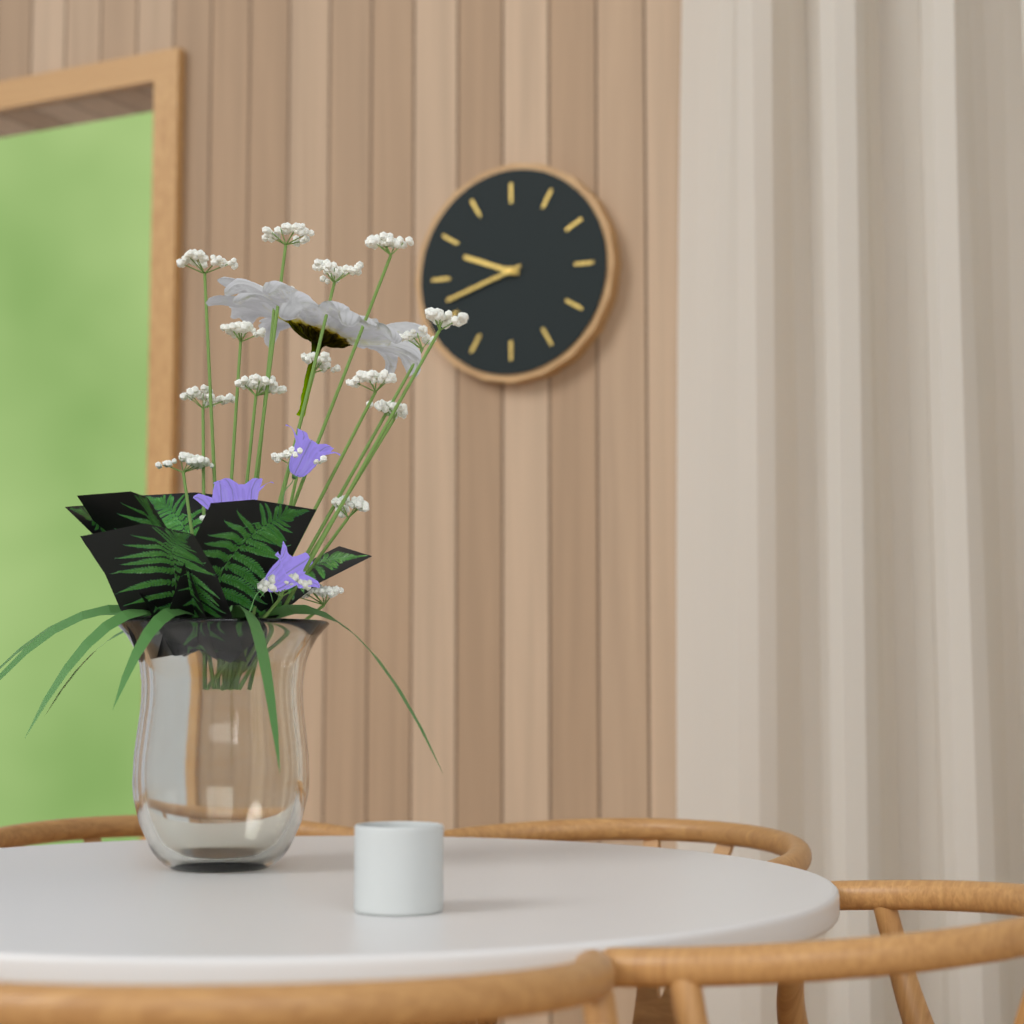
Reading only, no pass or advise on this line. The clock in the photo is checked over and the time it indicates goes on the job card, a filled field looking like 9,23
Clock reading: 9,42
